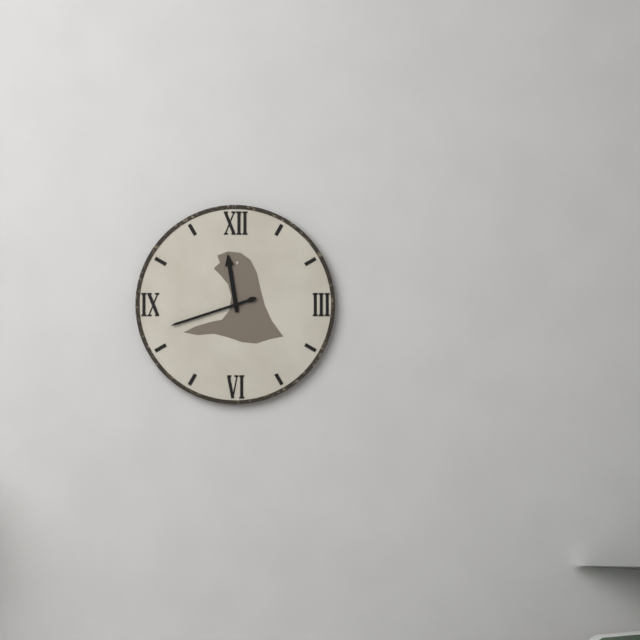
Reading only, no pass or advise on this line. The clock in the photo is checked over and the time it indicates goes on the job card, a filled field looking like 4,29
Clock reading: 11,42
